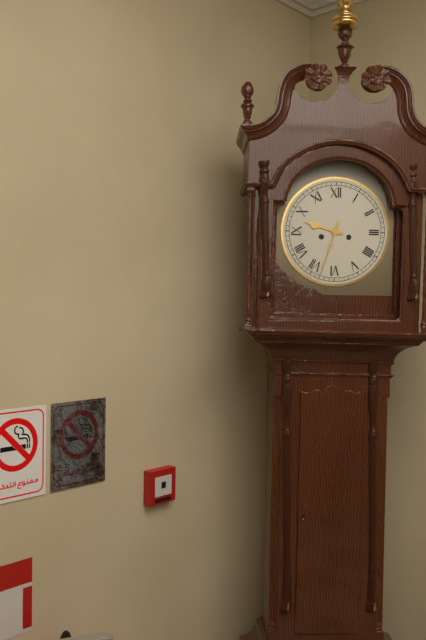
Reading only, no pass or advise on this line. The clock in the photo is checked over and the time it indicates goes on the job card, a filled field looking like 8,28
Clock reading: 9,33
